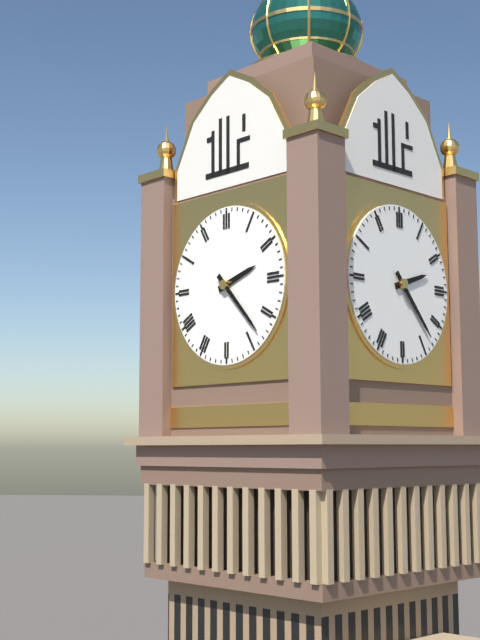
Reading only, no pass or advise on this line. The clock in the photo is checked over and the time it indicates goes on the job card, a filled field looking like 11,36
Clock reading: 2,23
